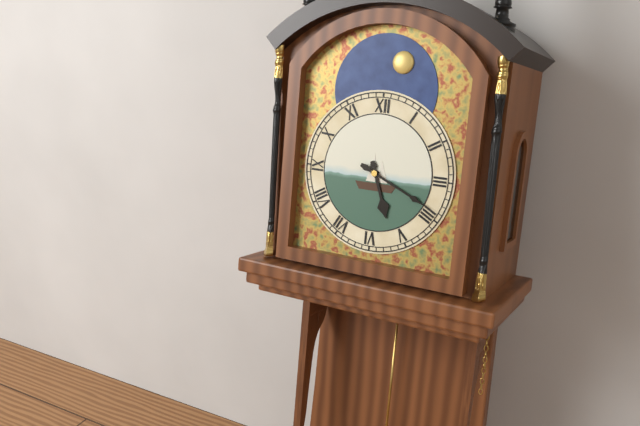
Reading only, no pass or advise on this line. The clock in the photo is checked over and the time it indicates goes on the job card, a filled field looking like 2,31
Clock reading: 5,19
